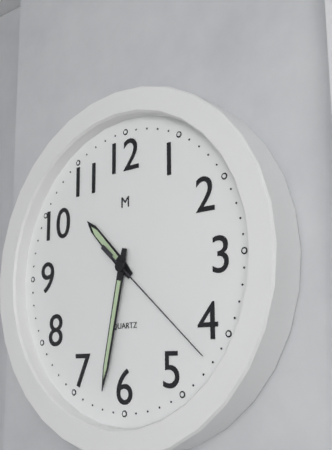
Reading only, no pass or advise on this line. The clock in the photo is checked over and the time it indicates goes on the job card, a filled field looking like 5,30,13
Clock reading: 10,32,22
